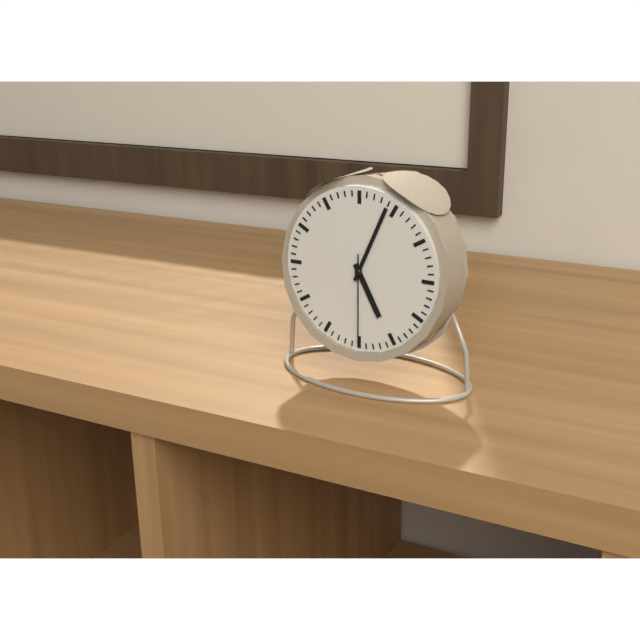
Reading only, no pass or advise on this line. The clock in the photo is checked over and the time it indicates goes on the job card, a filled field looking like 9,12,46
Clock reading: 5,04,30
